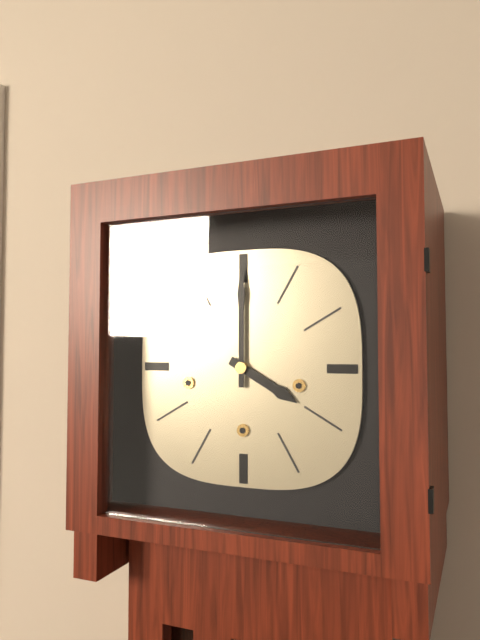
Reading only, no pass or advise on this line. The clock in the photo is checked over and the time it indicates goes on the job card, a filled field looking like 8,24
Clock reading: 4,00
